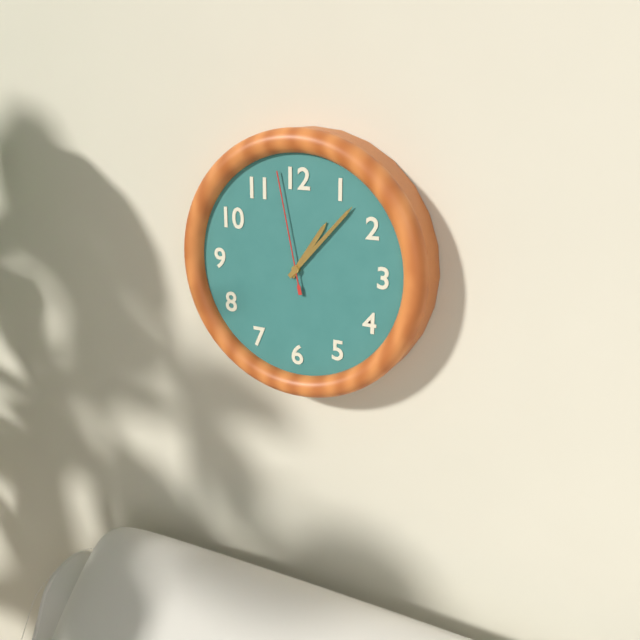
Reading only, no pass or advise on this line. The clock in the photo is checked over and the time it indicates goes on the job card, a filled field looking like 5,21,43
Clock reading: 1,07,58
